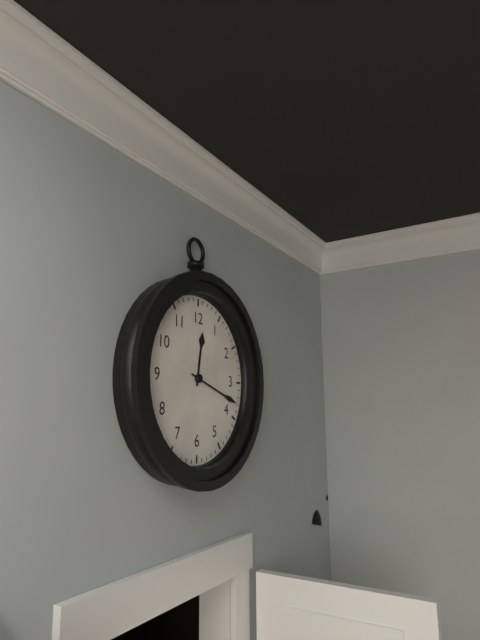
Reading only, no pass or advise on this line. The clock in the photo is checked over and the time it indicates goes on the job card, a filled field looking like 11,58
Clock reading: 12,18
